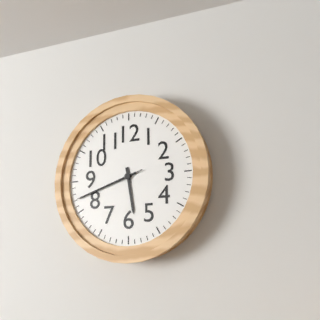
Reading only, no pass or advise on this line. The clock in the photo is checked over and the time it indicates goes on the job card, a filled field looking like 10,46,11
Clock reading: 5,42,42
